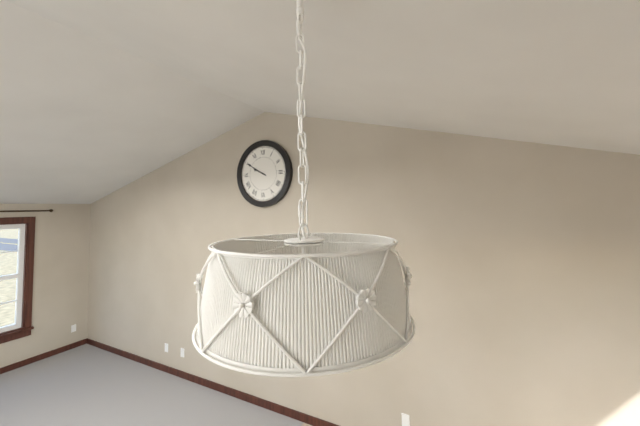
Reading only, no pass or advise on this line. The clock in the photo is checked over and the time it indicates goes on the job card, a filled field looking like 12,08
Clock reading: 9,50
